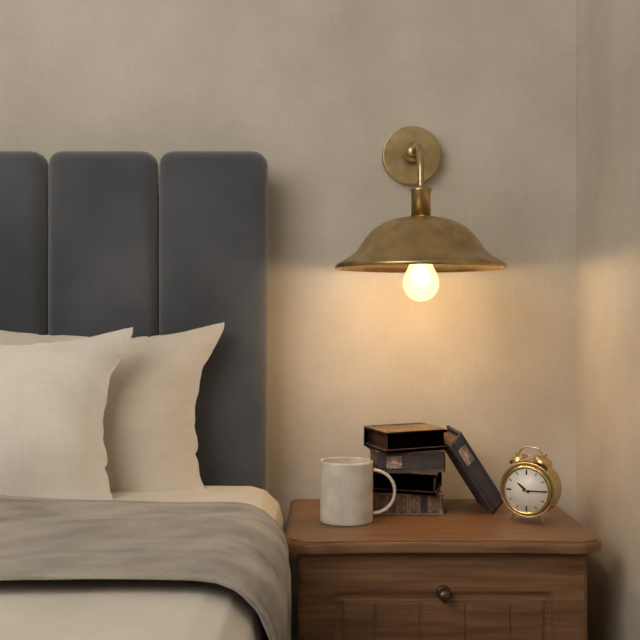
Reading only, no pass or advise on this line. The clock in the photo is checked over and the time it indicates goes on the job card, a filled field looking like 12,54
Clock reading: 10,15
